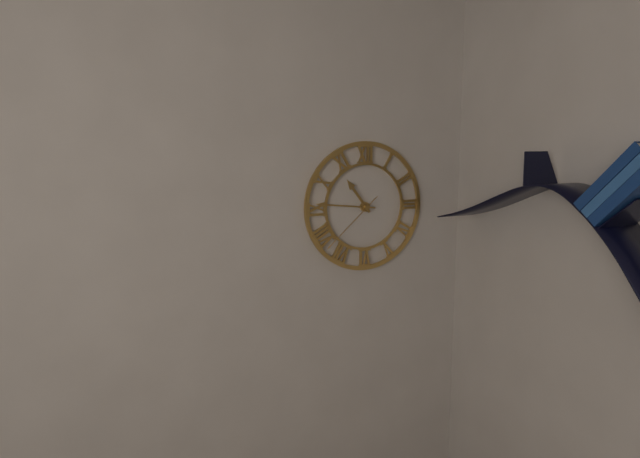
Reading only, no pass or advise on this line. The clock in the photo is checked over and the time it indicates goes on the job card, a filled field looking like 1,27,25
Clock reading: 10,46,38
